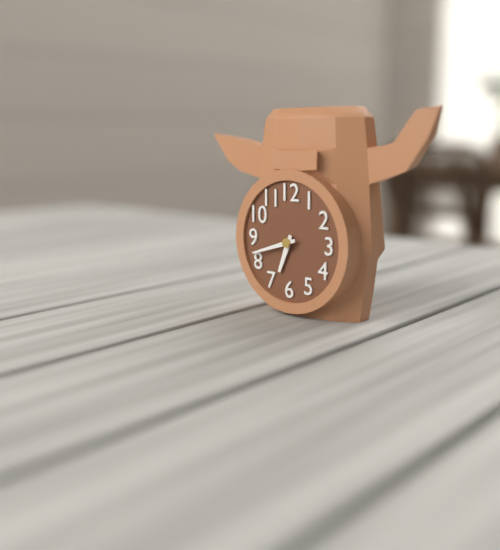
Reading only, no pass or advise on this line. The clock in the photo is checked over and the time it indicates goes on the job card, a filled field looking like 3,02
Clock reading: 6,42
